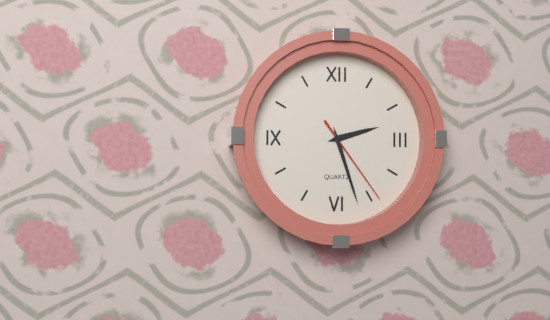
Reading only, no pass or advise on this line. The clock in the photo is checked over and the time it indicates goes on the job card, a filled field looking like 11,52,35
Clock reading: 2,27,24
